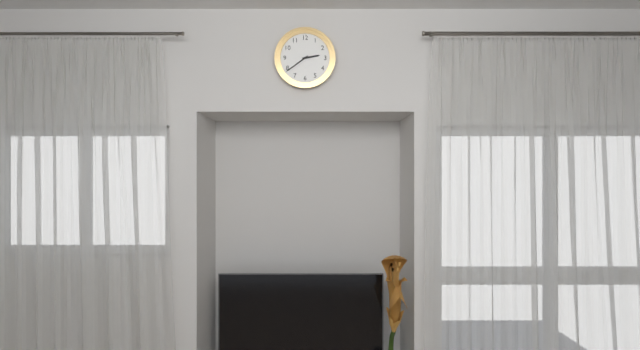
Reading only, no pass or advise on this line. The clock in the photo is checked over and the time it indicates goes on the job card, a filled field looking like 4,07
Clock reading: 2,39
